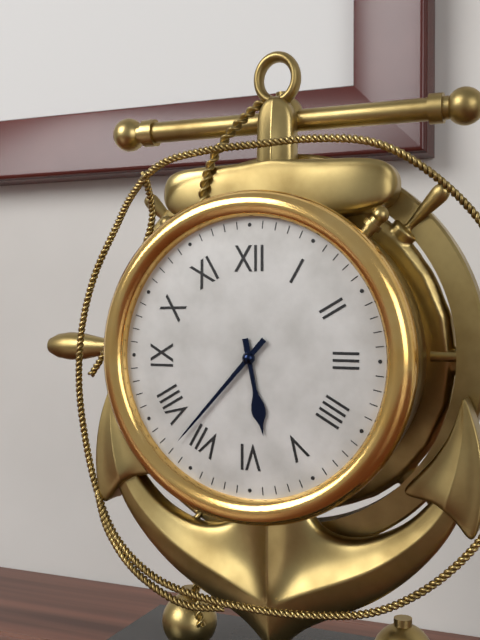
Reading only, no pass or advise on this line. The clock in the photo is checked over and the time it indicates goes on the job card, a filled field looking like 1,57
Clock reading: 5,37
